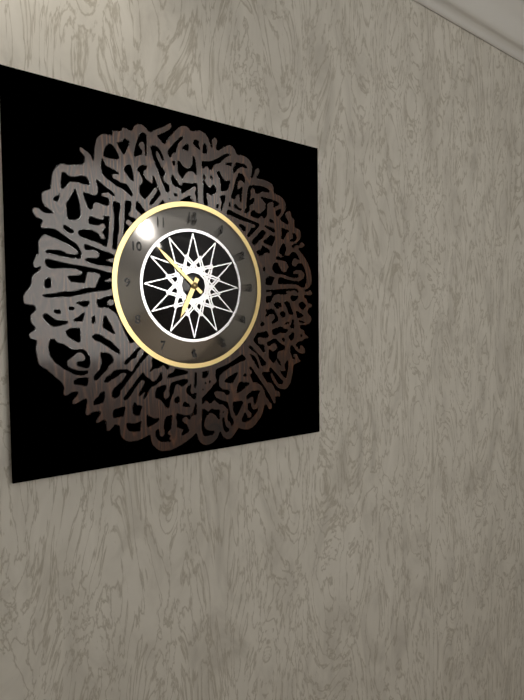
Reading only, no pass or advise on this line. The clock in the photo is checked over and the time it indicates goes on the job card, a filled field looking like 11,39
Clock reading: 6,52
